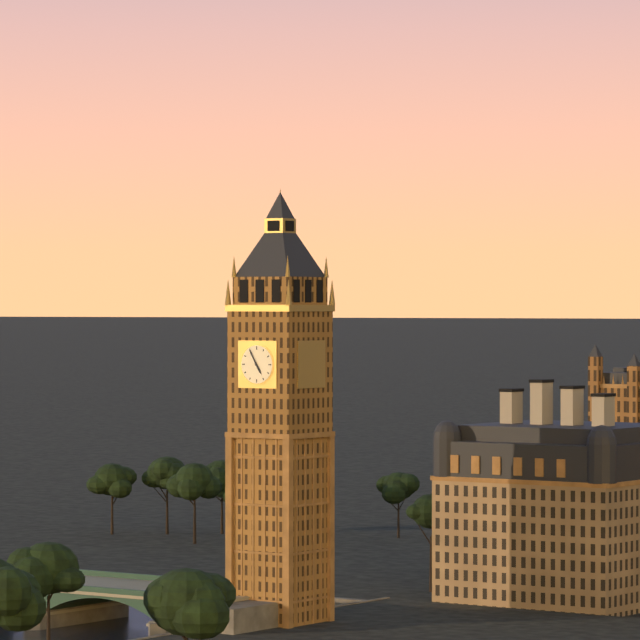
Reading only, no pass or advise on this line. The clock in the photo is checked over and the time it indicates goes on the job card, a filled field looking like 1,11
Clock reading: 4,55
